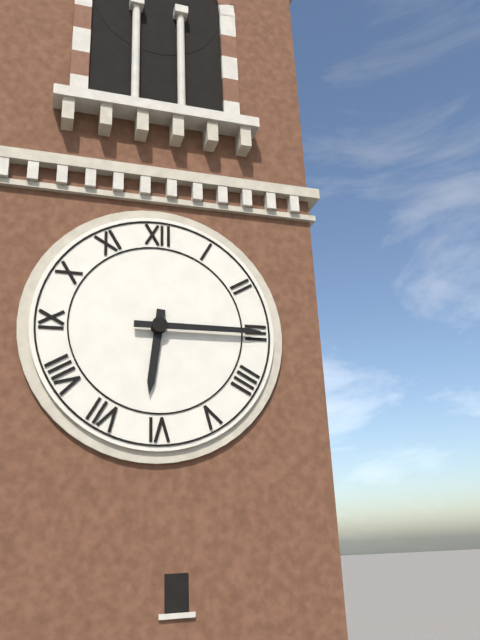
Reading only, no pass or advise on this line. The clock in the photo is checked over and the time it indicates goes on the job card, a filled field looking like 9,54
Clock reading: 6,15
